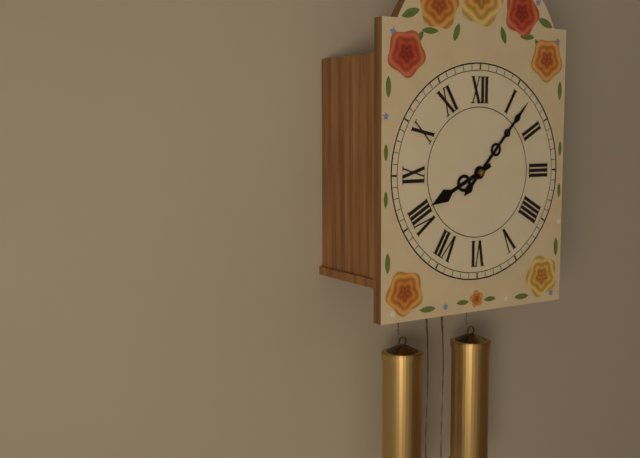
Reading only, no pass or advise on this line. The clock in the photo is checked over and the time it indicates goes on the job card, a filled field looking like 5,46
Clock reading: 8,07
